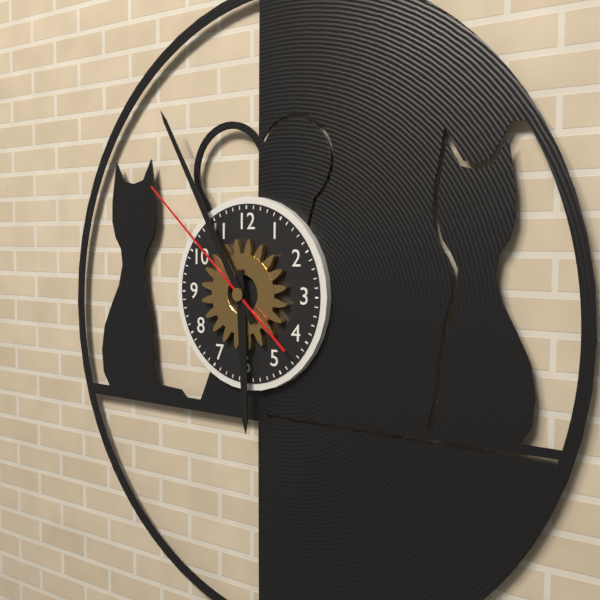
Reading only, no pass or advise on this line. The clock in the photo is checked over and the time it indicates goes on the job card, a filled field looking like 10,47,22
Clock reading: 5,55,52
